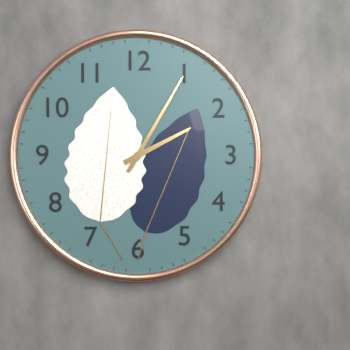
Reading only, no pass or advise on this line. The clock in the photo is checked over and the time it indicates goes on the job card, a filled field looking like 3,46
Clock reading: 2,05
